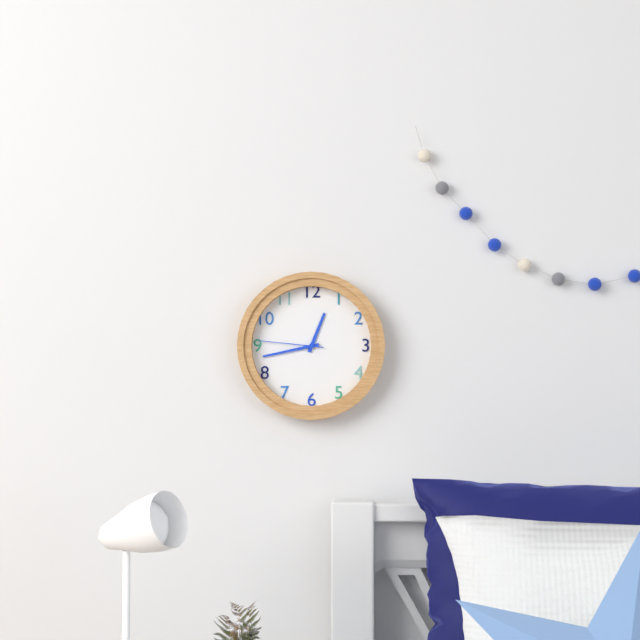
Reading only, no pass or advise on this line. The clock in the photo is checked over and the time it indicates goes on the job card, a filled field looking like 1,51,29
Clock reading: 12,43,46
